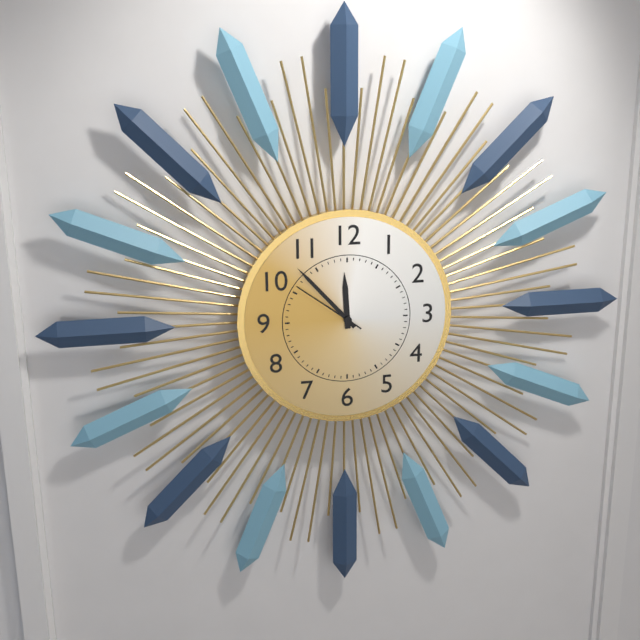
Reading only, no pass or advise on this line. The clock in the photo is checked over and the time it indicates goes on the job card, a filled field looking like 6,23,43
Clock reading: 11,53,51
